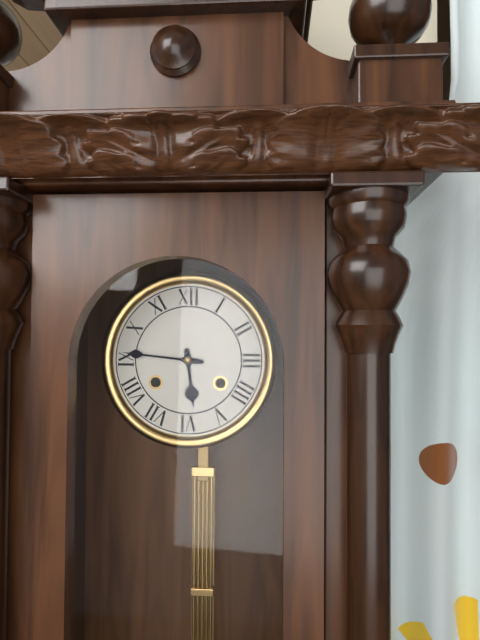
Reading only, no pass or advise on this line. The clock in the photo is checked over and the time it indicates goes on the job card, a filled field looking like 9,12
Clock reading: 5,46
